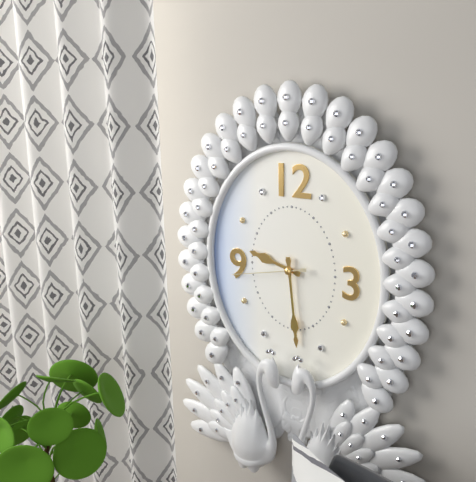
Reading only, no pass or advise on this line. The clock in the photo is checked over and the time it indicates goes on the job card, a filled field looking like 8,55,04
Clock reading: 9,29,43
